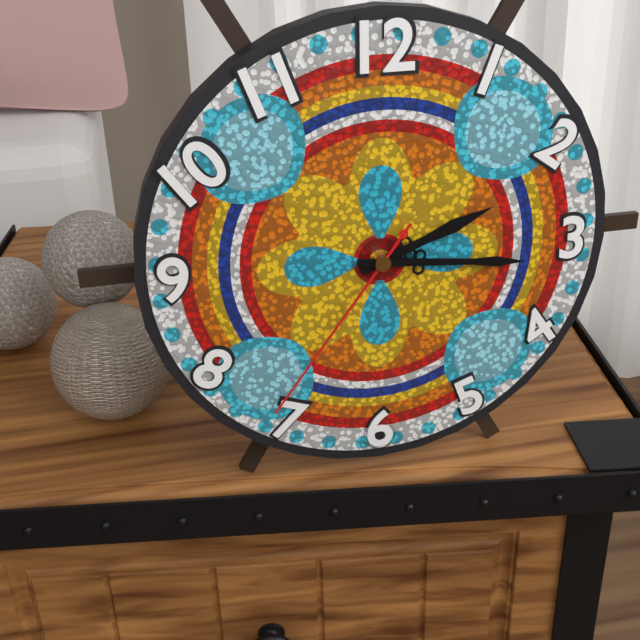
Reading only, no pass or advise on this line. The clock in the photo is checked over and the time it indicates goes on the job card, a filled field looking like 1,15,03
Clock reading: 2,16,36
